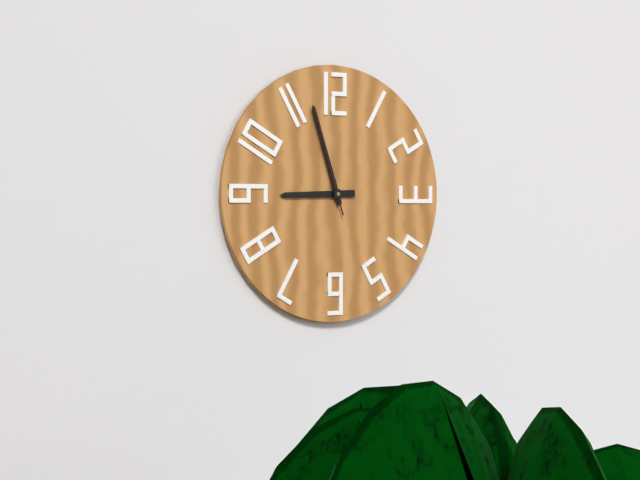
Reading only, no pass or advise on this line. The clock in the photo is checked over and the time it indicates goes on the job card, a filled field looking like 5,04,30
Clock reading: 8,57,57
